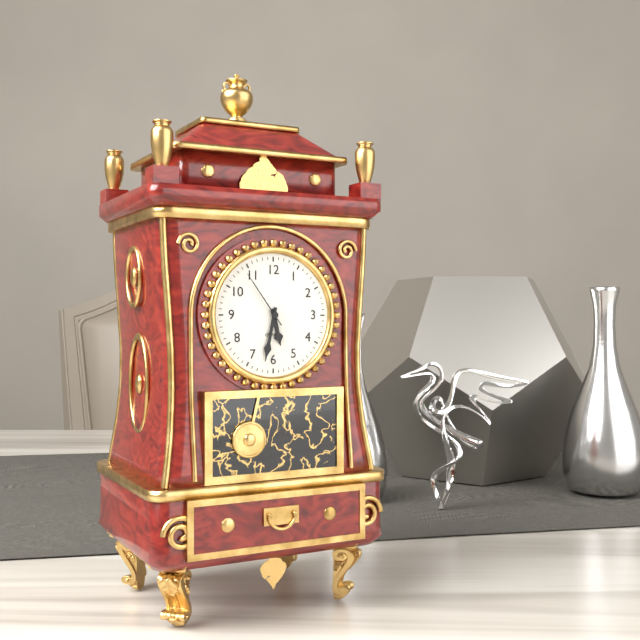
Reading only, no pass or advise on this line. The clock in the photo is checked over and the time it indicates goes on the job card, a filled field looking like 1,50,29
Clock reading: 5,32,54
